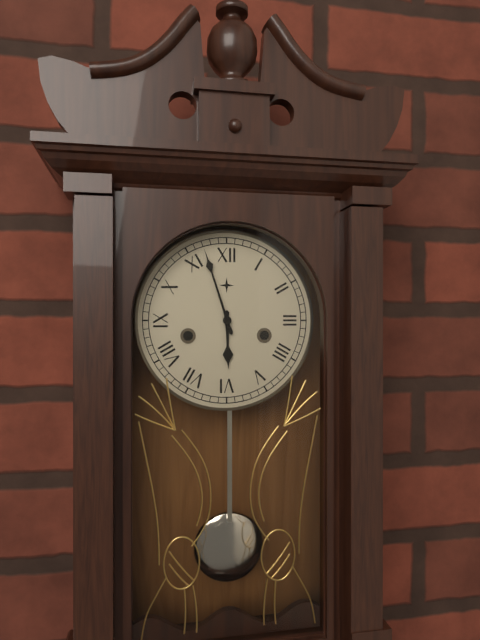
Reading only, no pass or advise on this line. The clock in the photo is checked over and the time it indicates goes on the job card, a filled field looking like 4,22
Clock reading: 5,57
